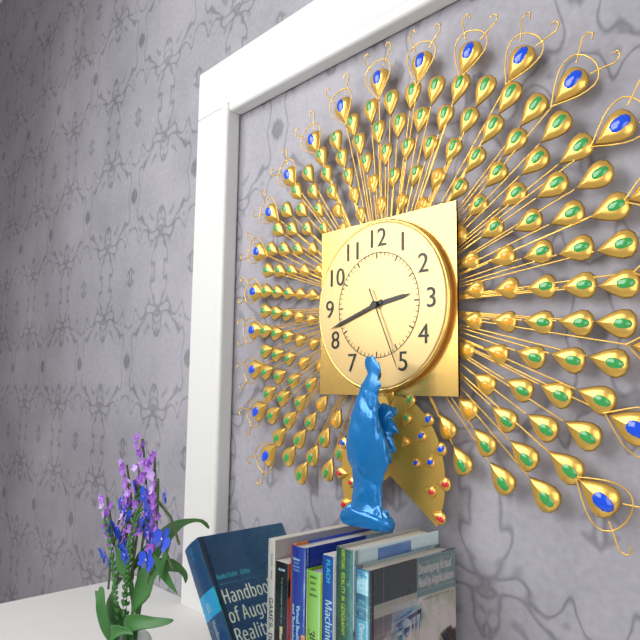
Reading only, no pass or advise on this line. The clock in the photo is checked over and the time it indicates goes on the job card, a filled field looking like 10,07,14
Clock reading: 2,42,26
